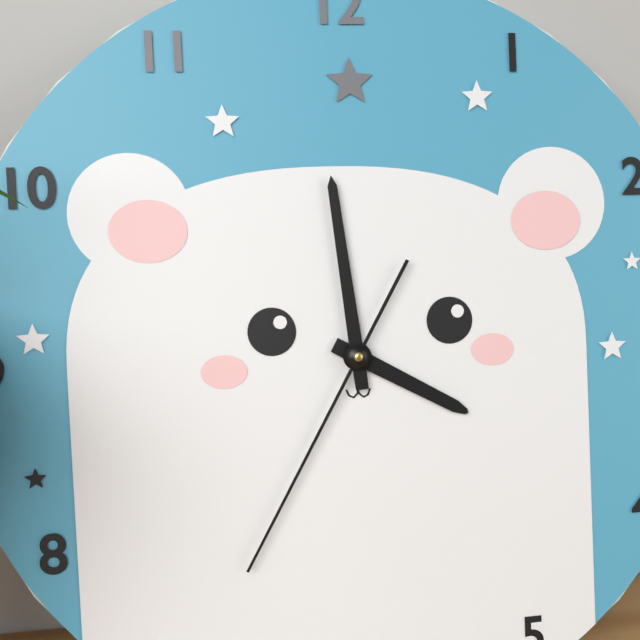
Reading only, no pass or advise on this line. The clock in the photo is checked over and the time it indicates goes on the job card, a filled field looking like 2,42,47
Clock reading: 3,59,35
